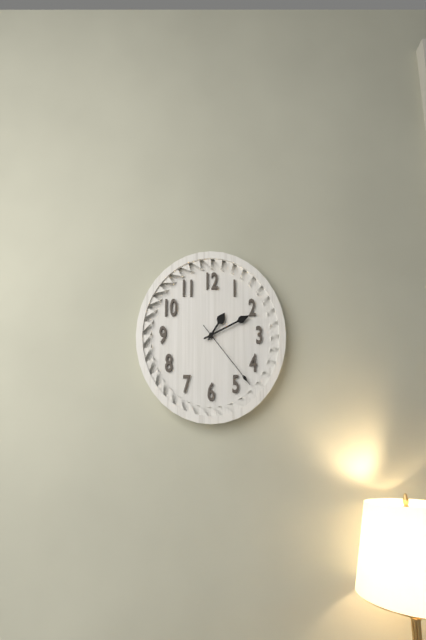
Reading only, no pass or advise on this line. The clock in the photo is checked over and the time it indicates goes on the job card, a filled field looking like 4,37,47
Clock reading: 1,11,23
